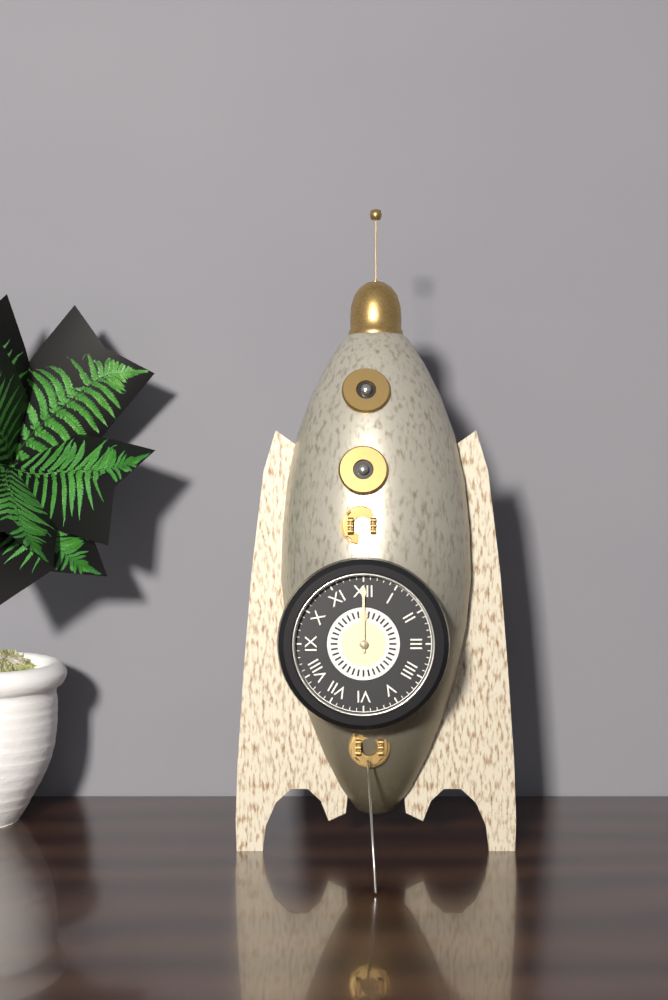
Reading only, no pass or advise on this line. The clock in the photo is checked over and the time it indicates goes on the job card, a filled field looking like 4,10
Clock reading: 12,00
